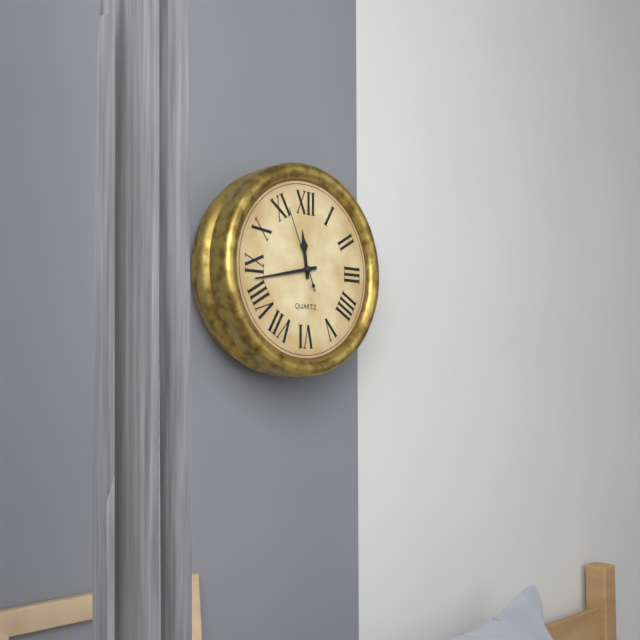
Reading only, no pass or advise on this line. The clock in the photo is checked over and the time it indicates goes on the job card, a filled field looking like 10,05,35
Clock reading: 11,43,56
